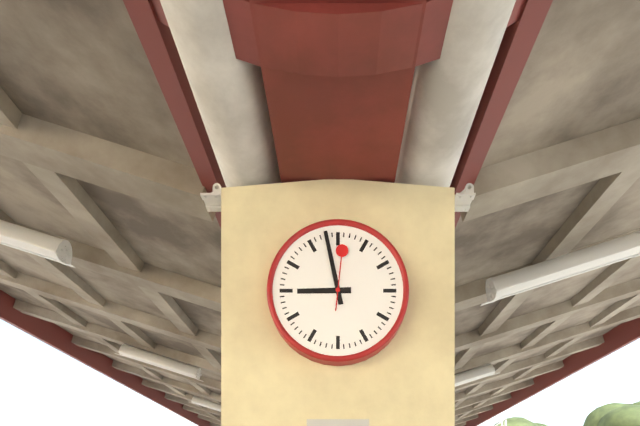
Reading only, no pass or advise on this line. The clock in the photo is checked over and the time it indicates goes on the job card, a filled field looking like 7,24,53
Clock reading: 8,58,01
